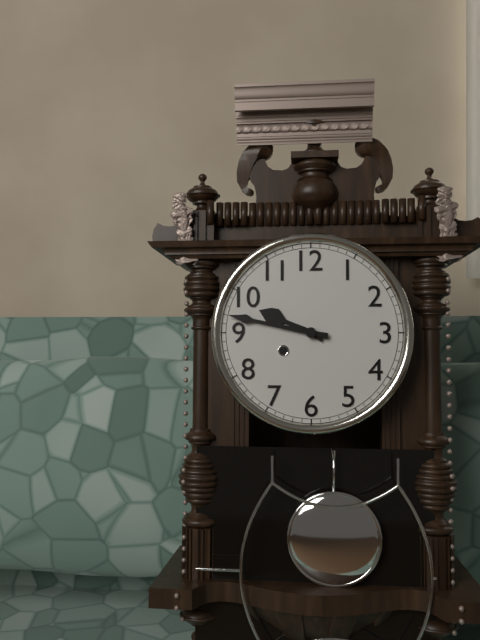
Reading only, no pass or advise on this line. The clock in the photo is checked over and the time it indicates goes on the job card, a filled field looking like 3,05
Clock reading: 9,47
